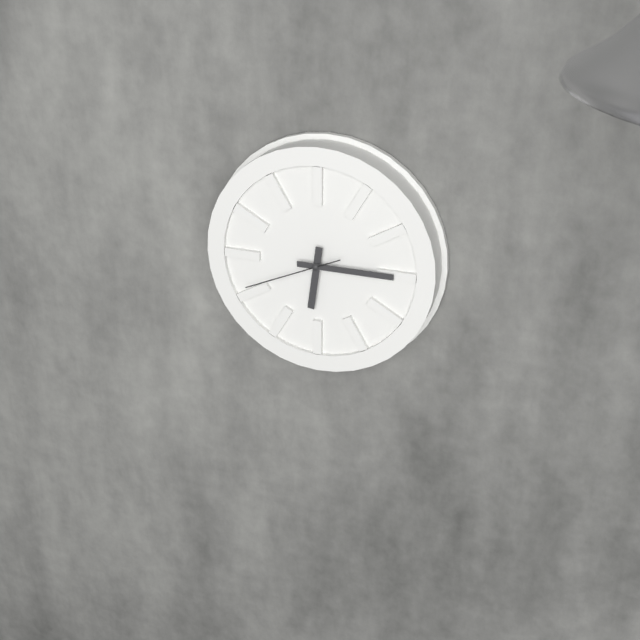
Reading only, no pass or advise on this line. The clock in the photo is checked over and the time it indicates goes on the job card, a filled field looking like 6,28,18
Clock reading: 6,15,41
